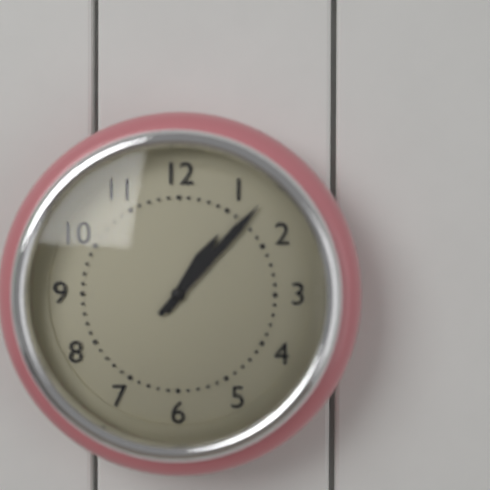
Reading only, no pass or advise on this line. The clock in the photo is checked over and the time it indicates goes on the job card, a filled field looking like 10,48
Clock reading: 1,07
